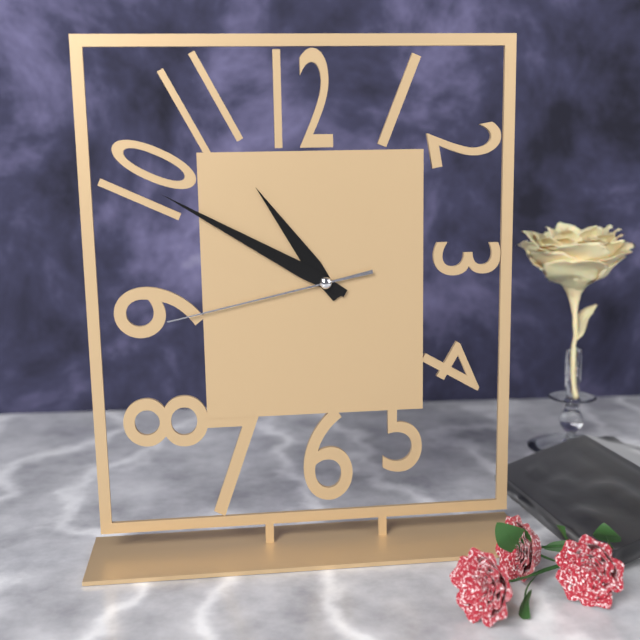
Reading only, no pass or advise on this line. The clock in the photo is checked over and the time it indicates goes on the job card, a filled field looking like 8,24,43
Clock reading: 10,50,43
